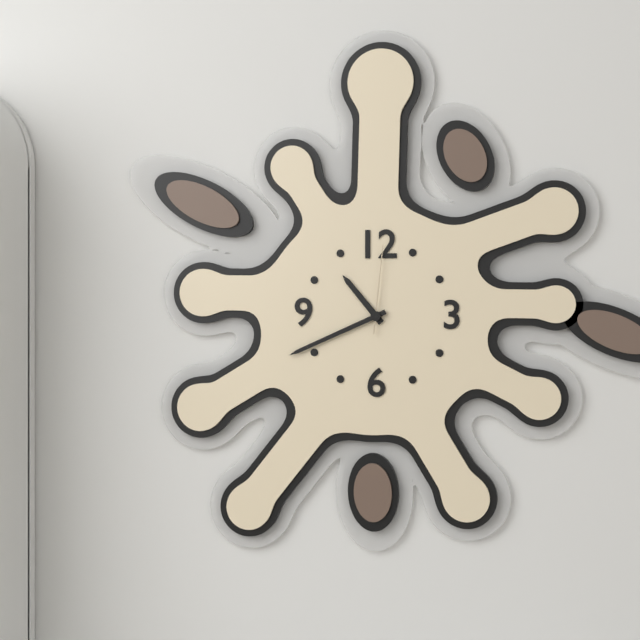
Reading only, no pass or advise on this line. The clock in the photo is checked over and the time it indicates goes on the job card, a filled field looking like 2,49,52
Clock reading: 10,41,01
